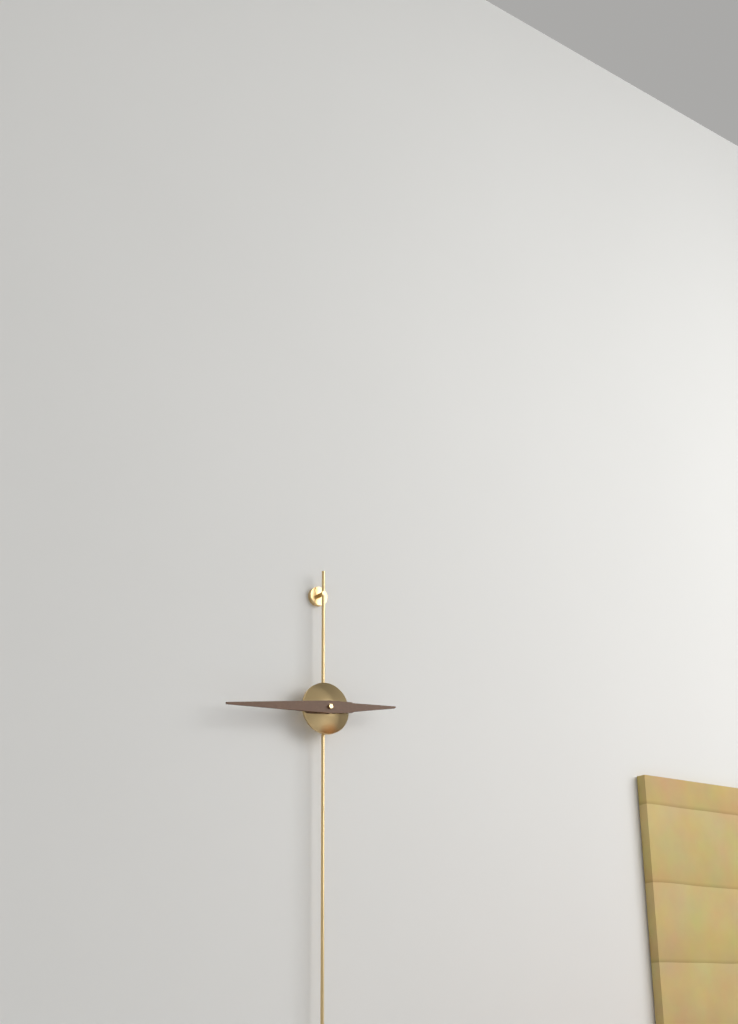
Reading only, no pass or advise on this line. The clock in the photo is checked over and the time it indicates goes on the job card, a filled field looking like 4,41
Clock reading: 2,44
